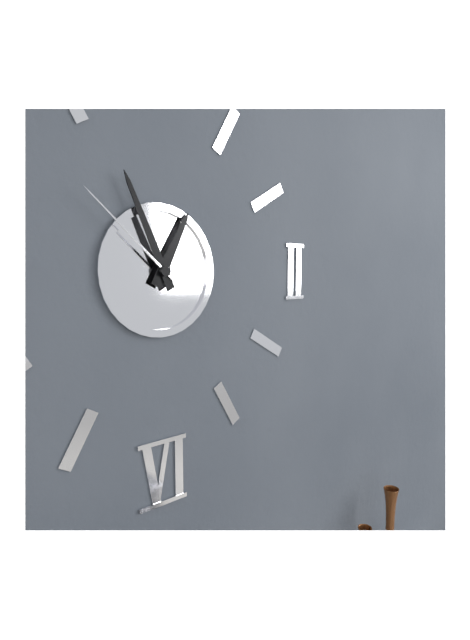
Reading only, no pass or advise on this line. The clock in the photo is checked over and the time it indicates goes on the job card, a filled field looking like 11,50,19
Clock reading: 12,56,52
